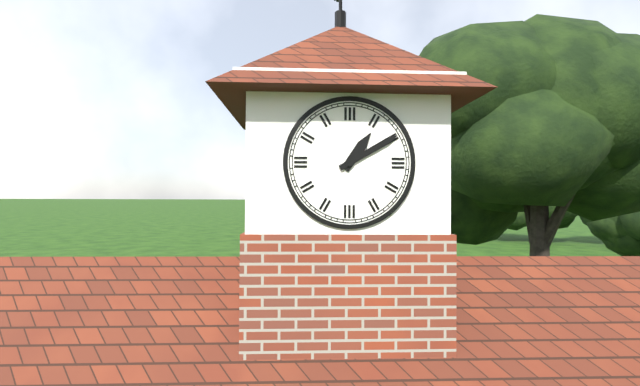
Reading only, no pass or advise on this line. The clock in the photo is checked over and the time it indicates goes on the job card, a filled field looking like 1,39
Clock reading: 1,10
